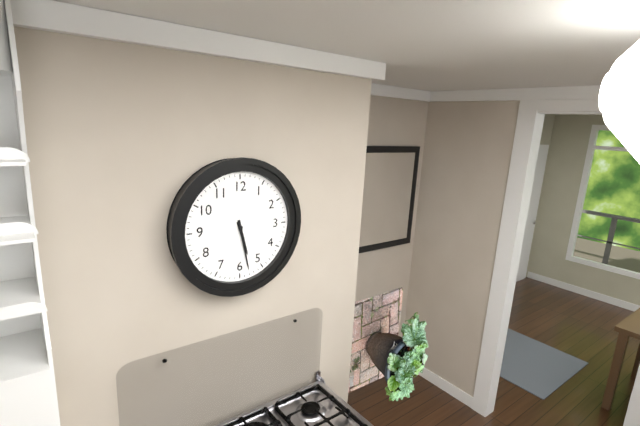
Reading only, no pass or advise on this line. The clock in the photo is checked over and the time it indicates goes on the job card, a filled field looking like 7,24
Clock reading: 5,28
